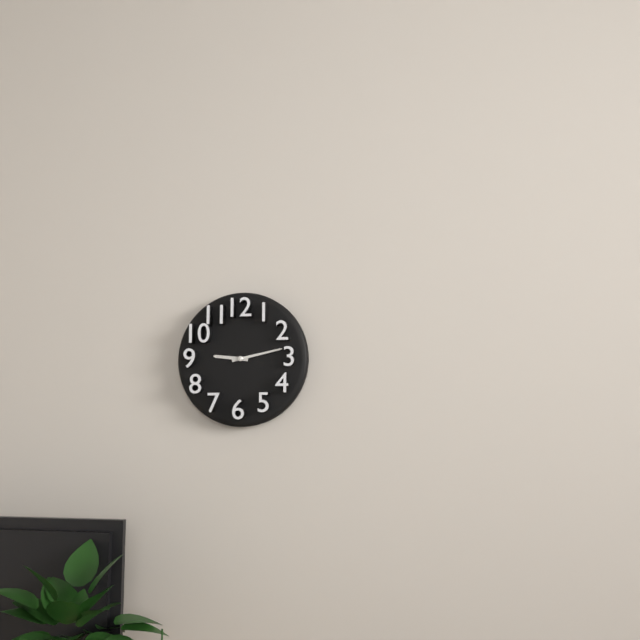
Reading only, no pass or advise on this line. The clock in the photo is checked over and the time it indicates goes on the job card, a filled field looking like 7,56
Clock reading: 9,13
